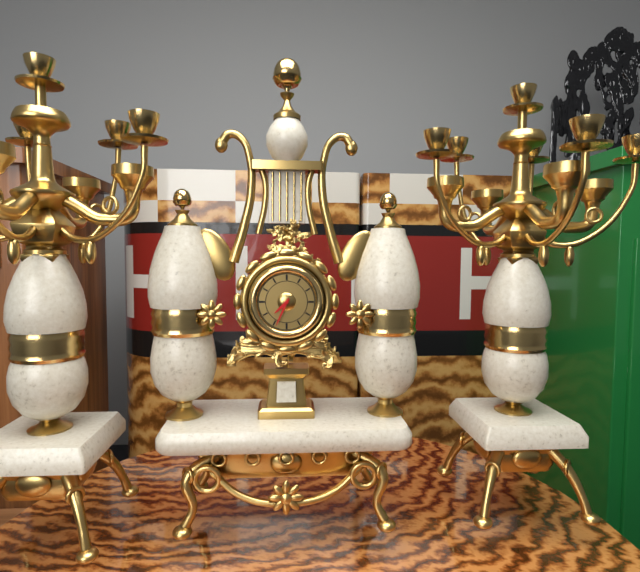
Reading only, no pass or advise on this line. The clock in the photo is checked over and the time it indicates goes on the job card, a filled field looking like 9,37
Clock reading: 7,34
